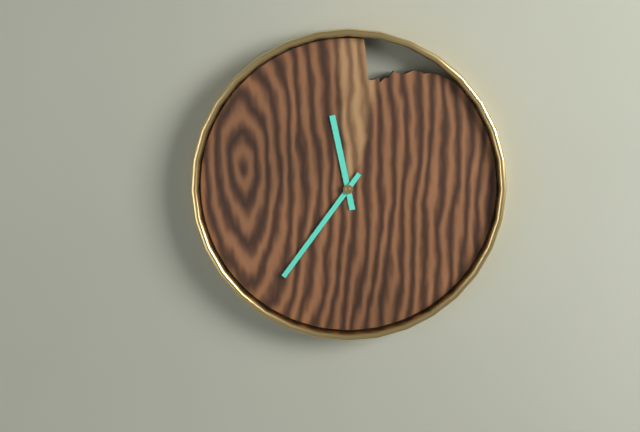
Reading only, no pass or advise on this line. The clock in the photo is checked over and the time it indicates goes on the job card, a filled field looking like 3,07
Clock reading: 11,36
